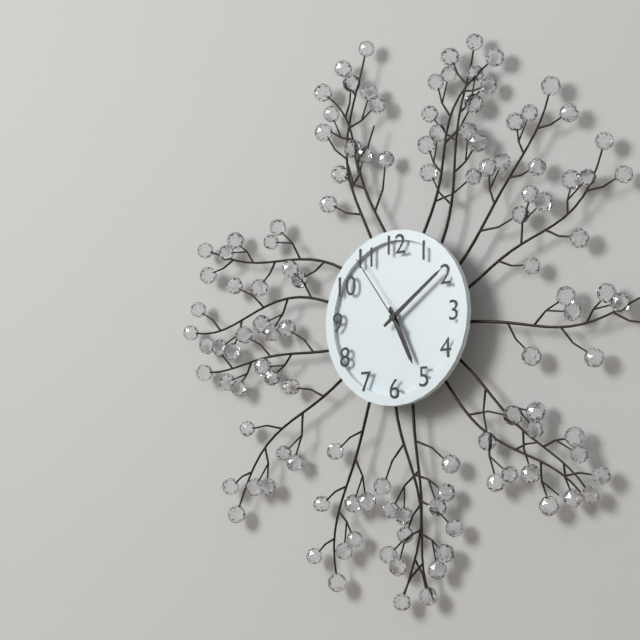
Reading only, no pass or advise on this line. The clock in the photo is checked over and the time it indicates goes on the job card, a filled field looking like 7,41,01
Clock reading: 5,09,54
